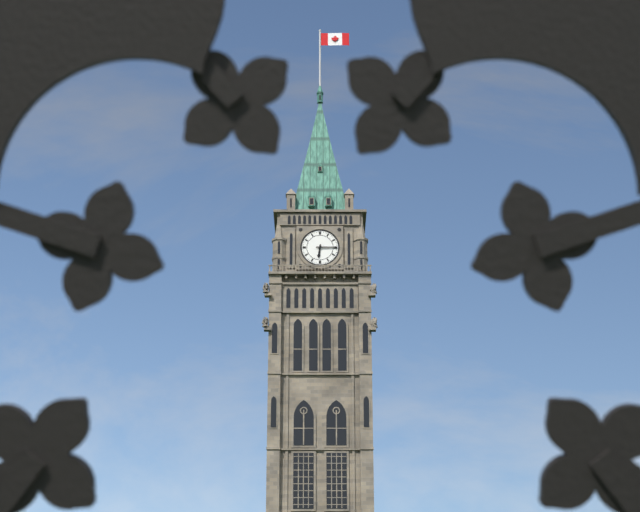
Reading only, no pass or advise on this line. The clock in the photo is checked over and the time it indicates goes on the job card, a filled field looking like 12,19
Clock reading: 6,15
